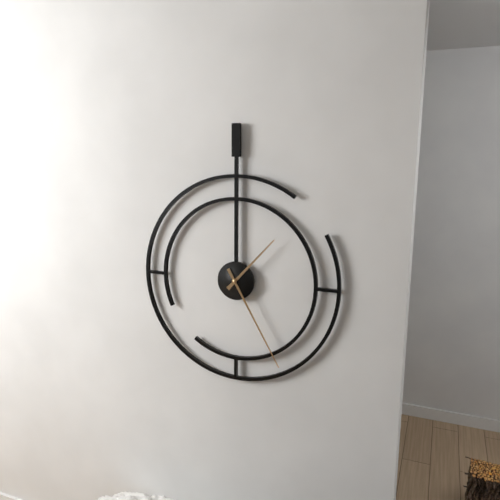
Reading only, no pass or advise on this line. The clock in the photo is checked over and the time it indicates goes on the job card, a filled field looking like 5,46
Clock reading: 1,25
